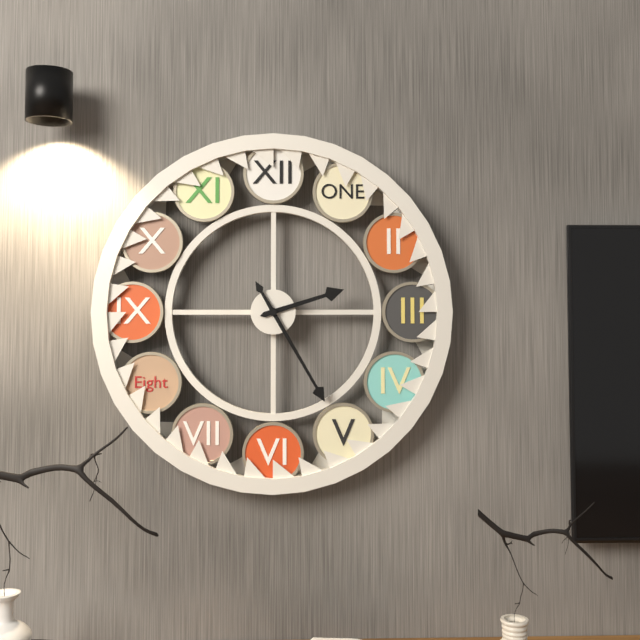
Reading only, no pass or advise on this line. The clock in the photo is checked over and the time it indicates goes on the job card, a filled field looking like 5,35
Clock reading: 2,25
